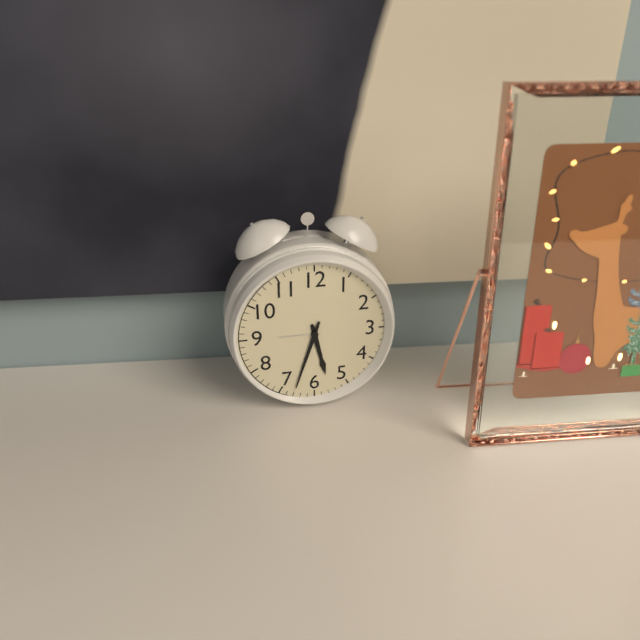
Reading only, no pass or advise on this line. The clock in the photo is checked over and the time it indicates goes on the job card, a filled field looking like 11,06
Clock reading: 5,33
